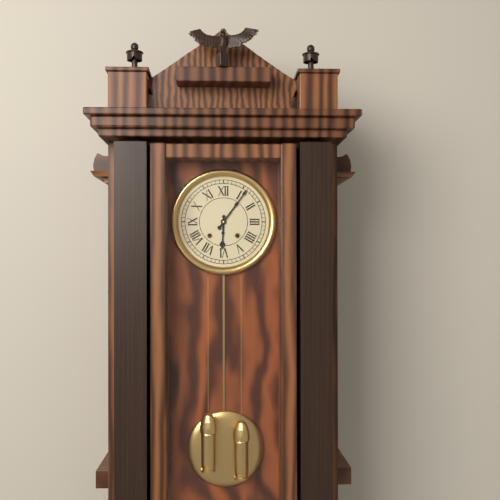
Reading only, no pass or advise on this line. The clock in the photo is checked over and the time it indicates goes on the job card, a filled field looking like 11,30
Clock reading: 6,06
